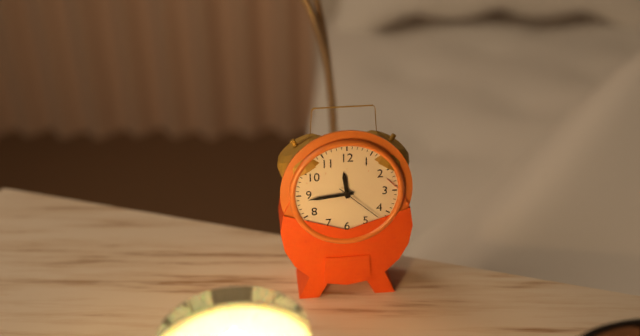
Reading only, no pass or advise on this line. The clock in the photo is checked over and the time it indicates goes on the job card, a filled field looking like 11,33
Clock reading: 11,44
